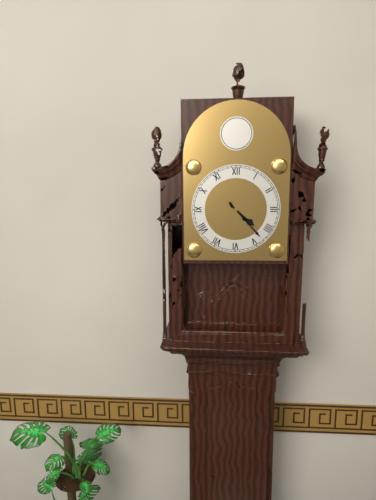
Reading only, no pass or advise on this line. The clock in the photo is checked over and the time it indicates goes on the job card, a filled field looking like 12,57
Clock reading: 4,23
